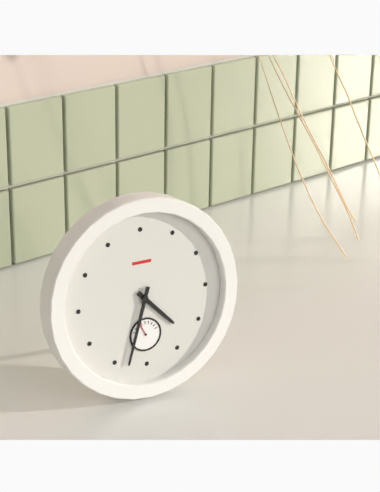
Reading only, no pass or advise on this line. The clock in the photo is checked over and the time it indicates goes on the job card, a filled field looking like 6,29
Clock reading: 4,33
